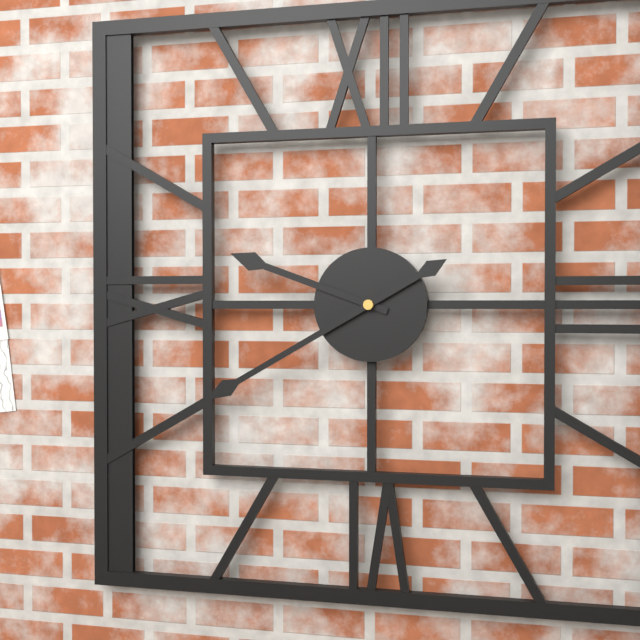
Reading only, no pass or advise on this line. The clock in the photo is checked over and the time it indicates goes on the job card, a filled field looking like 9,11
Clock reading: 9,40
